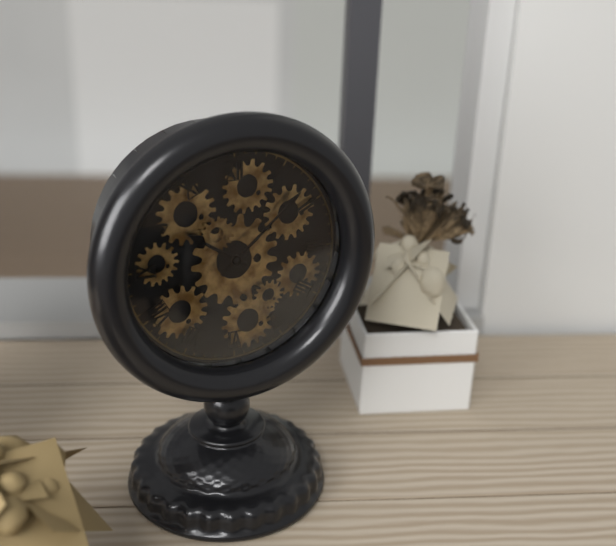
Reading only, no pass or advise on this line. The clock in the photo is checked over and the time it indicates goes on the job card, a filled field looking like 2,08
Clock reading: 10,08
